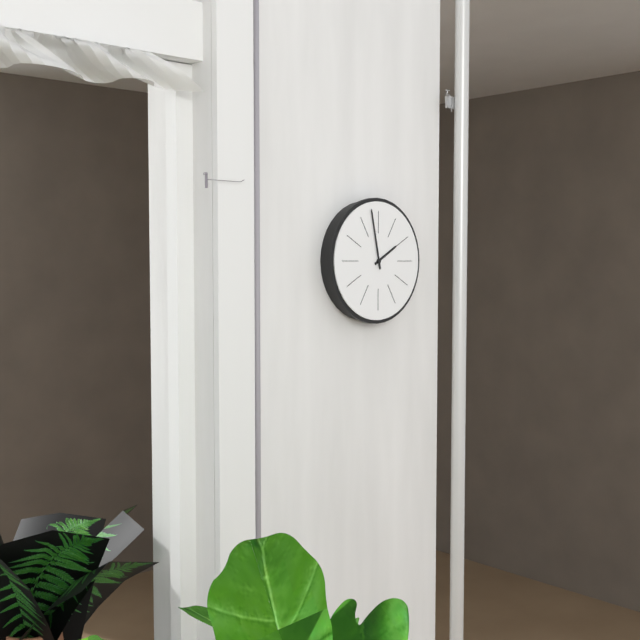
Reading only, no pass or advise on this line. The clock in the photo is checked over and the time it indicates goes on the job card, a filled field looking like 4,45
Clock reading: 1,58
